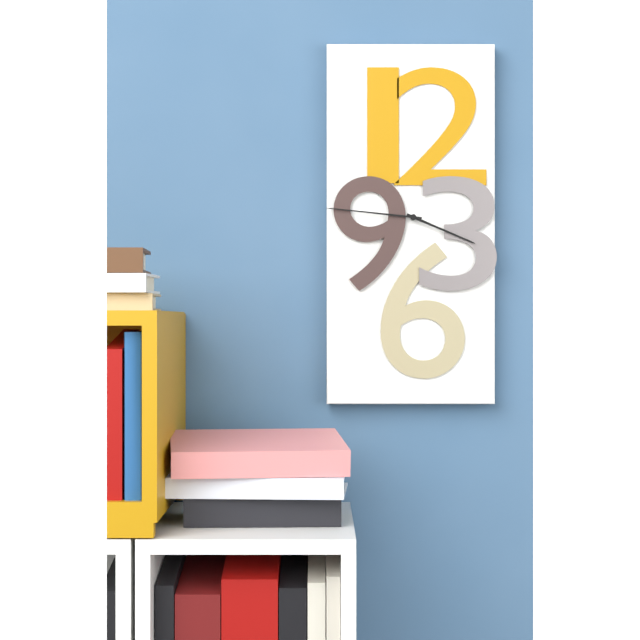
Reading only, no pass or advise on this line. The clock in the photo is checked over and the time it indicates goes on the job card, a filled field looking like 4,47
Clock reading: 3,46
